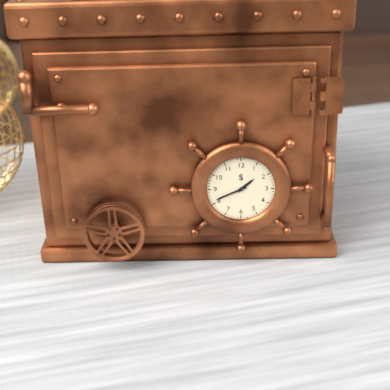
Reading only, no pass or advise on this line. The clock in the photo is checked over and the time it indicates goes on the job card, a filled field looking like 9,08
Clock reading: 1,41
